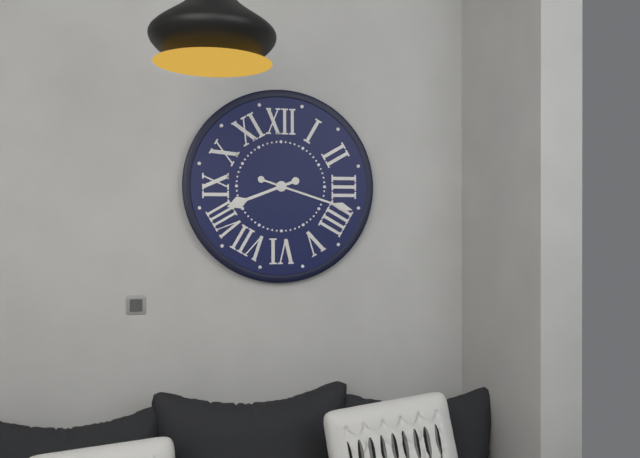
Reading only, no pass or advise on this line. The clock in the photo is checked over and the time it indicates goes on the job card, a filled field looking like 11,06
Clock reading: 8,18
